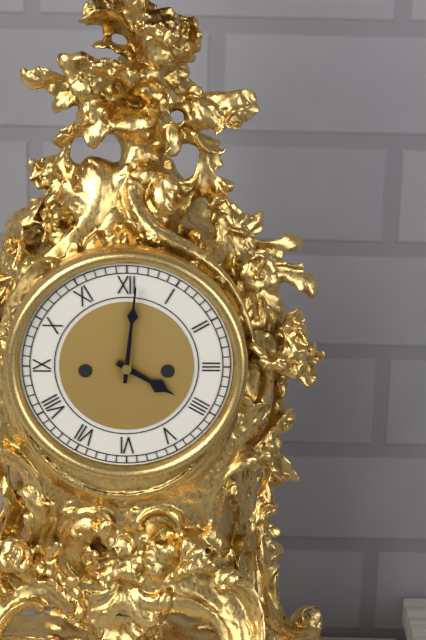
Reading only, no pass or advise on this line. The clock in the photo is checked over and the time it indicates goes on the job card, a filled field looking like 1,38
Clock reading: 4,01
